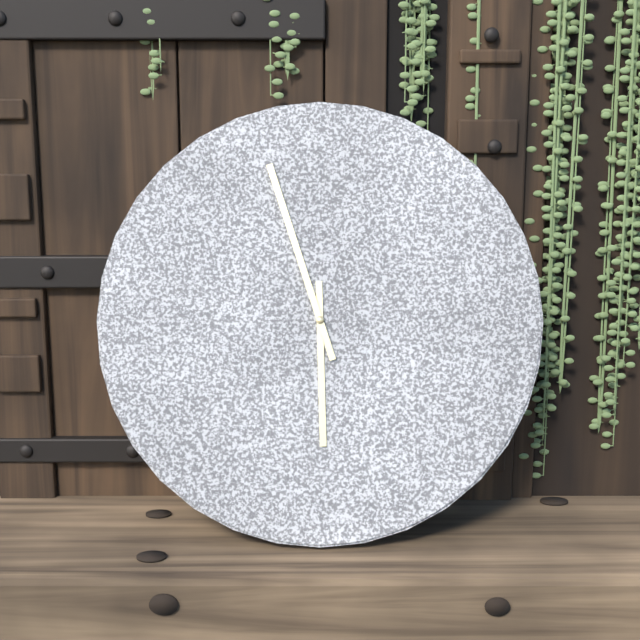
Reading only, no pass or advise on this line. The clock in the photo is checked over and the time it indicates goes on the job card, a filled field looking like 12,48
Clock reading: 5,57
